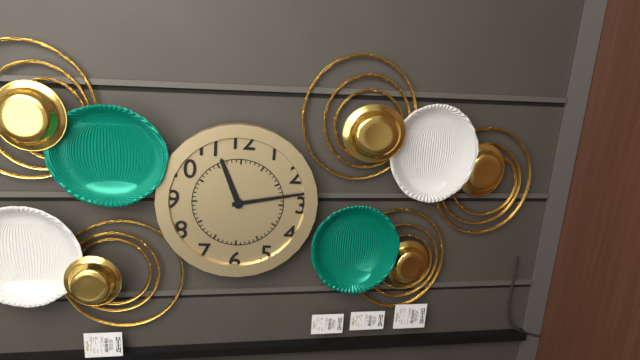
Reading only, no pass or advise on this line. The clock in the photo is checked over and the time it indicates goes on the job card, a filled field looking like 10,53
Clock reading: 11,13
